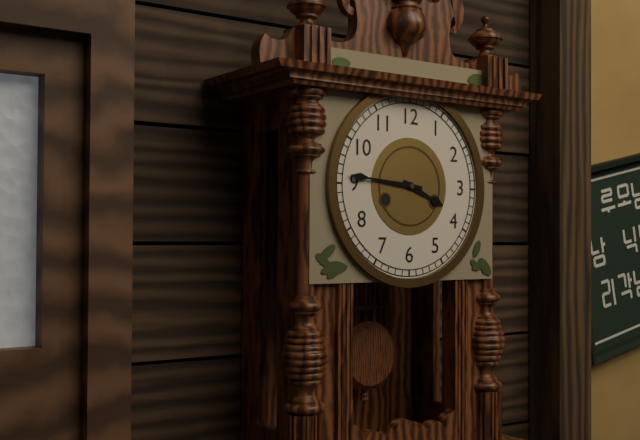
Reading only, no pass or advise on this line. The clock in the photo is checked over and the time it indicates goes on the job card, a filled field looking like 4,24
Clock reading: 3,46
